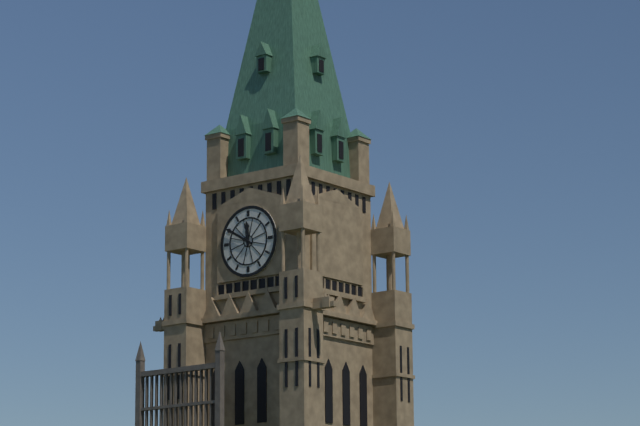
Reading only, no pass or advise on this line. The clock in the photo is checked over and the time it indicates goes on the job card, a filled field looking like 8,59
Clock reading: 11,50
